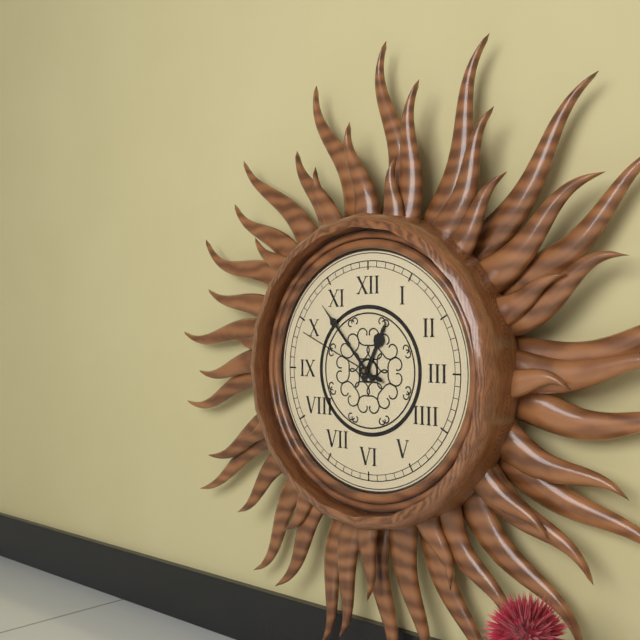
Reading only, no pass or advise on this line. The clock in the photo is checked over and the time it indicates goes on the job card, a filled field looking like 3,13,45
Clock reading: 12,53,49
